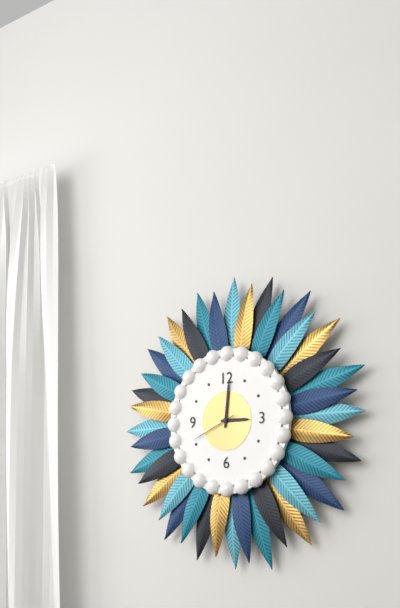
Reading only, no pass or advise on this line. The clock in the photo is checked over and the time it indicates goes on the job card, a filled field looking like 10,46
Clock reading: 3,01
